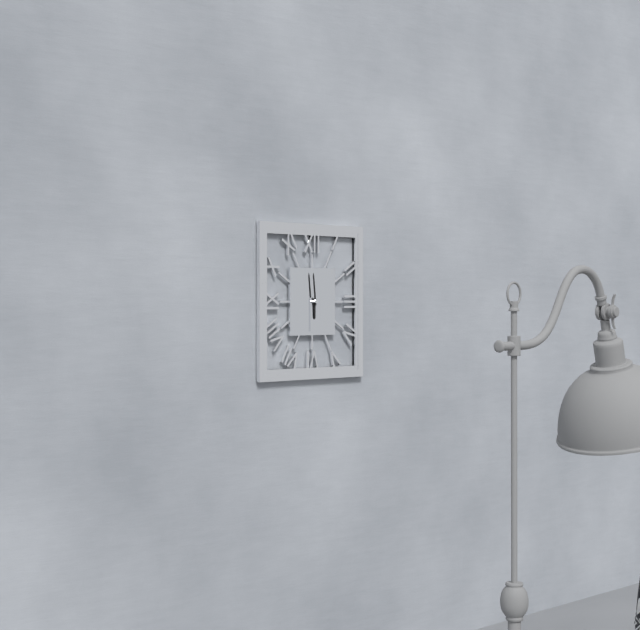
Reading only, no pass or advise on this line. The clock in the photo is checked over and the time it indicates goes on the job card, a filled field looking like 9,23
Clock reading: 5,59
